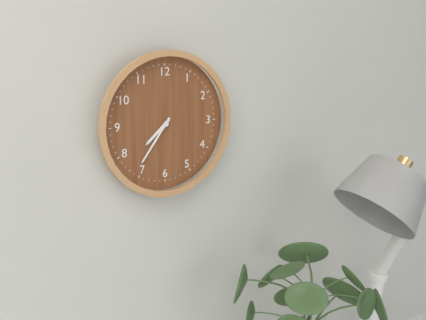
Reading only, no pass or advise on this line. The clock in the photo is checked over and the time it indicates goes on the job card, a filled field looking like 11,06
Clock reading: 7,36
